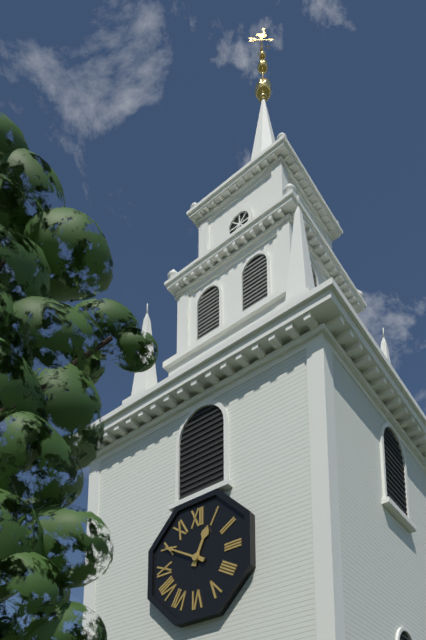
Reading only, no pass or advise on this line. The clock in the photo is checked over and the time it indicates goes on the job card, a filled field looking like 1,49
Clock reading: 12,50
